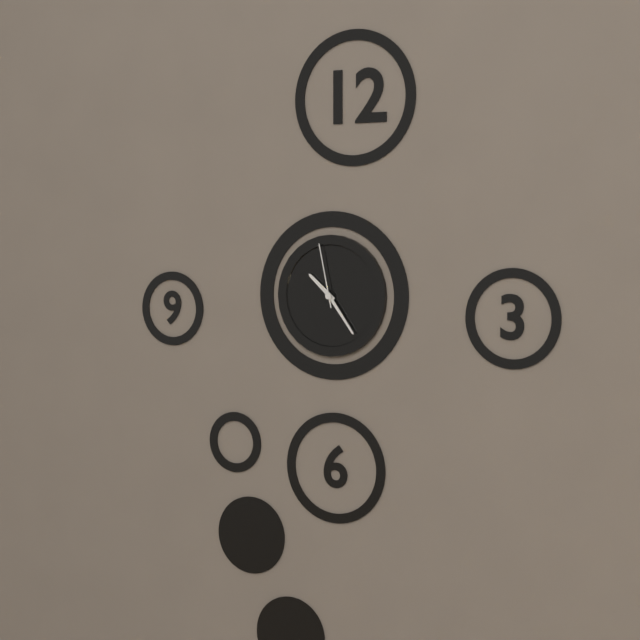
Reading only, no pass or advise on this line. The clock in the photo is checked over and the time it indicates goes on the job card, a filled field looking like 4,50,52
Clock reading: 10,24,58
